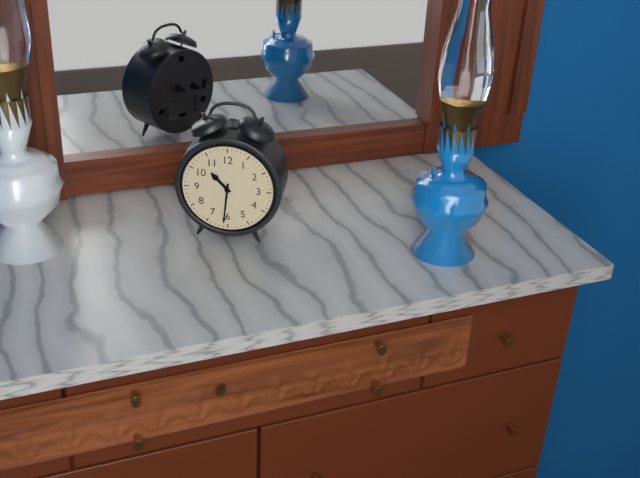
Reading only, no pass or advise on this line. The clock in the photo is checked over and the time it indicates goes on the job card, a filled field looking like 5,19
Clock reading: 10,31
